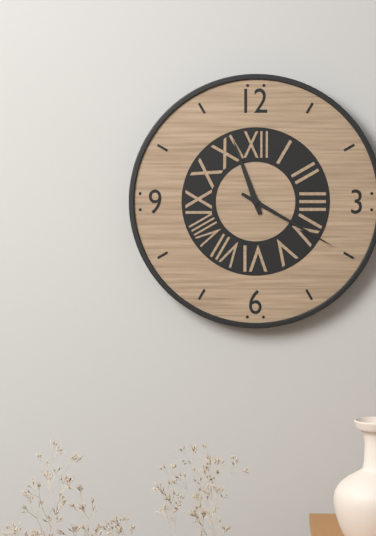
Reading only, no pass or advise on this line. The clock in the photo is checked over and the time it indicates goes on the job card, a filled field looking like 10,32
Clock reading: 11,20
